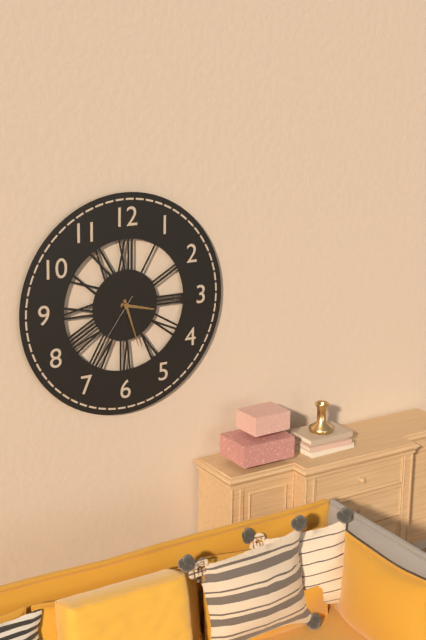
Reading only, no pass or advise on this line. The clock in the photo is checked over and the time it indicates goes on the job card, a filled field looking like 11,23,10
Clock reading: 3,27,36
